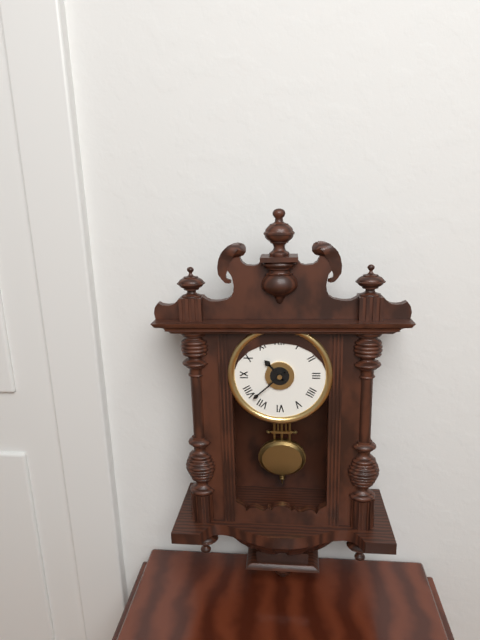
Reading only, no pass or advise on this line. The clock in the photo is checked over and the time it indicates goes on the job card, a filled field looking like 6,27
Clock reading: 10,38
